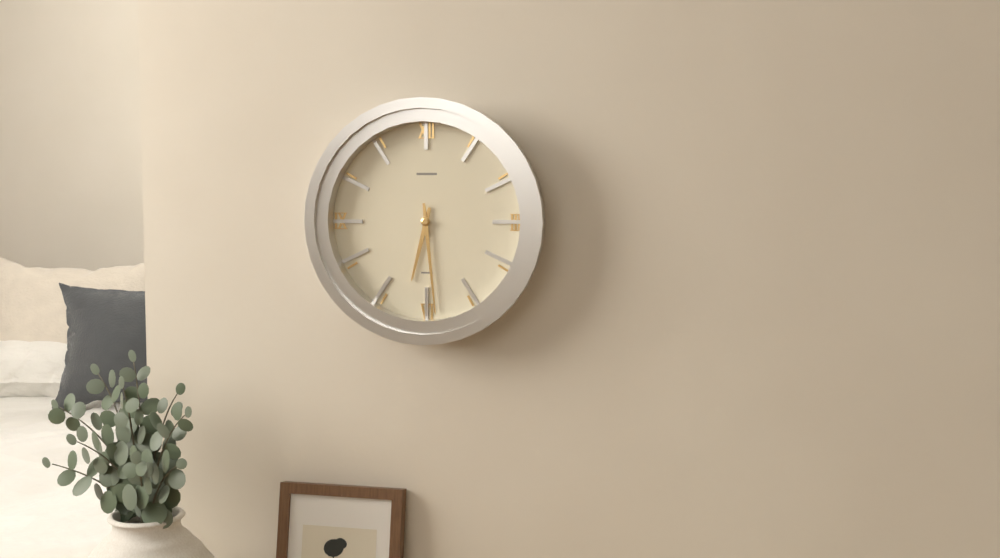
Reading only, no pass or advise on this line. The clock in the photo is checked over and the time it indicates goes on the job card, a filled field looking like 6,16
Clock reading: 6,29
